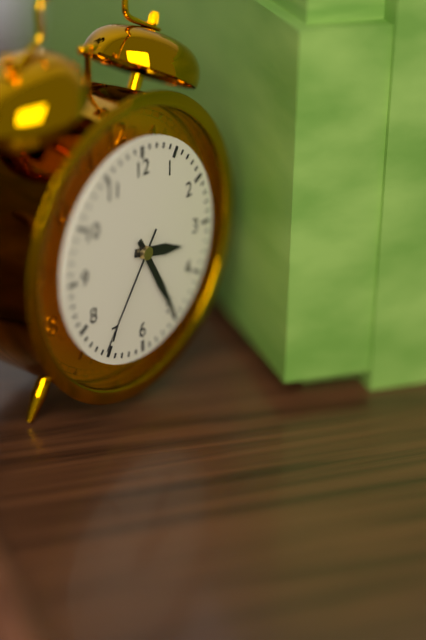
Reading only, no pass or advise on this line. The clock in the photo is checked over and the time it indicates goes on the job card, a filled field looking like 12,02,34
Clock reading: 3,25,36
